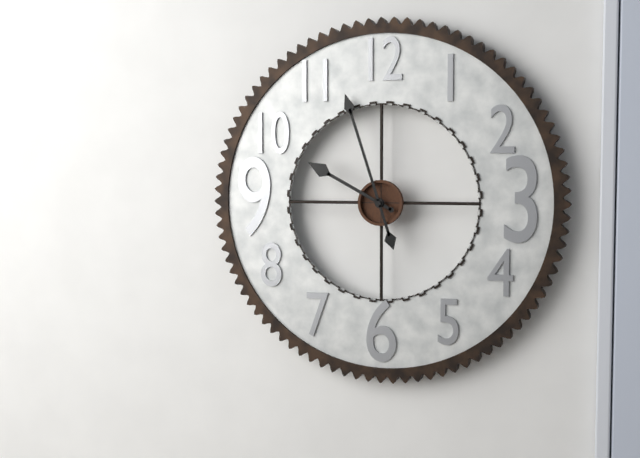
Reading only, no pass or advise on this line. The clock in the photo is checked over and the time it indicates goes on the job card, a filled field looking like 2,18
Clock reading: 9,57
